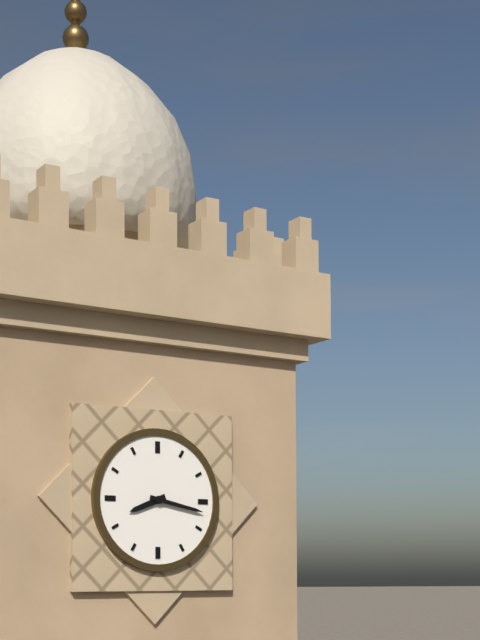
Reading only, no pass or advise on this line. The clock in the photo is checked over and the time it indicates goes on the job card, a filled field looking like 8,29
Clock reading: 8,17
